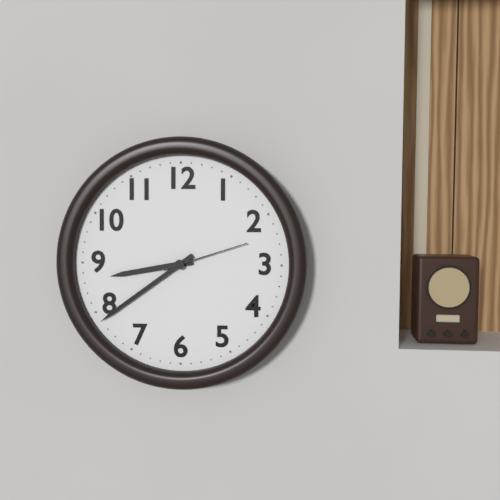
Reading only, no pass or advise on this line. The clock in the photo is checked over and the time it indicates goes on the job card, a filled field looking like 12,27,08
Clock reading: 8,39,12
